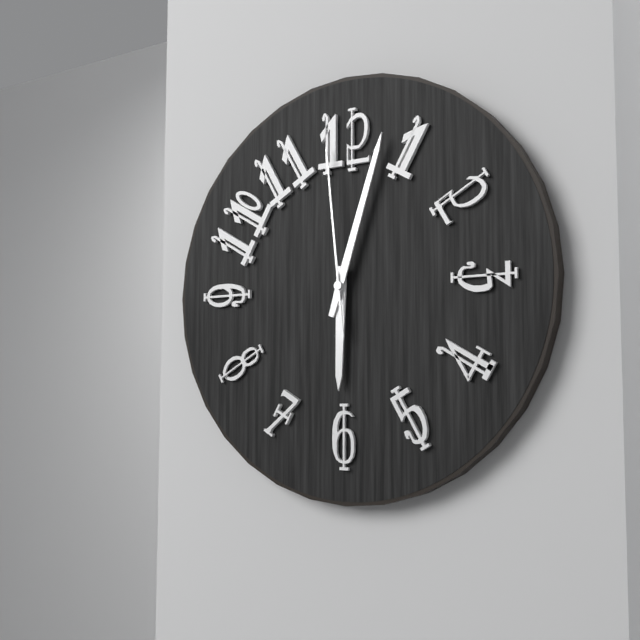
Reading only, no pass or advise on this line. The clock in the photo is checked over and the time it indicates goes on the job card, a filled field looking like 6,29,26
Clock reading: 6,03,59
